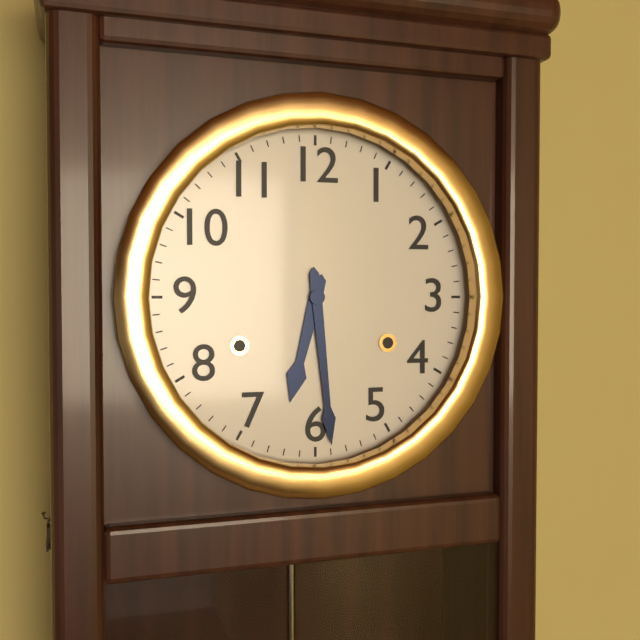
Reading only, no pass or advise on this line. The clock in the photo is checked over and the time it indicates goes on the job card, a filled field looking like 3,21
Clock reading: 6,29
